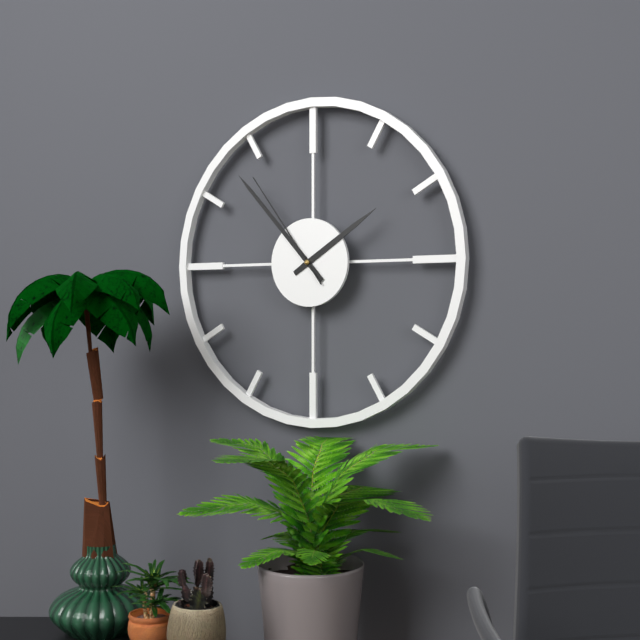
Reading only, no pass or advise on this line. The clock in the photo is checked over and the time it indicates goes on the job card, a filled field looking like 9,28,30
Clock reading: 1,53,54
